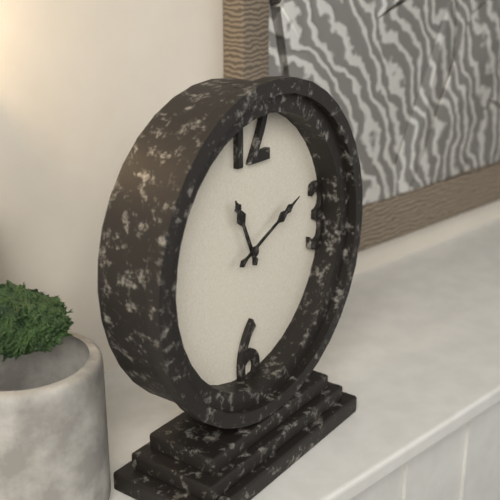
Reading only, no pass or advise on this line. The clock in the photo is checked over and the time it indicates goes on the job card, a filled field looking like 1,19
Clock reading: 11,11
